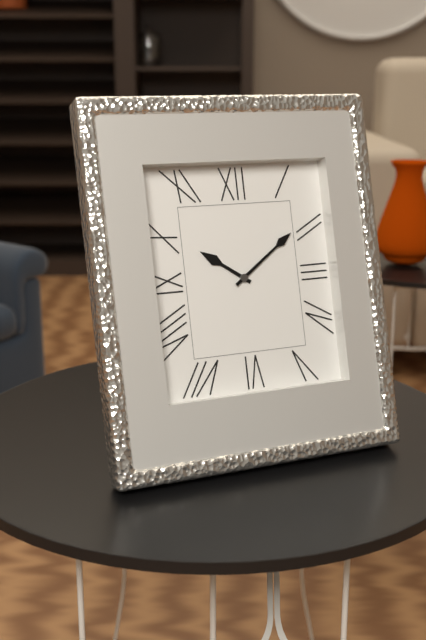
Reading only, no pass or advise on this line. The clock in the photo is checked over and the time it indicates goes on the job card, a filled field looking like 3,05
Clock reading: 10,09
